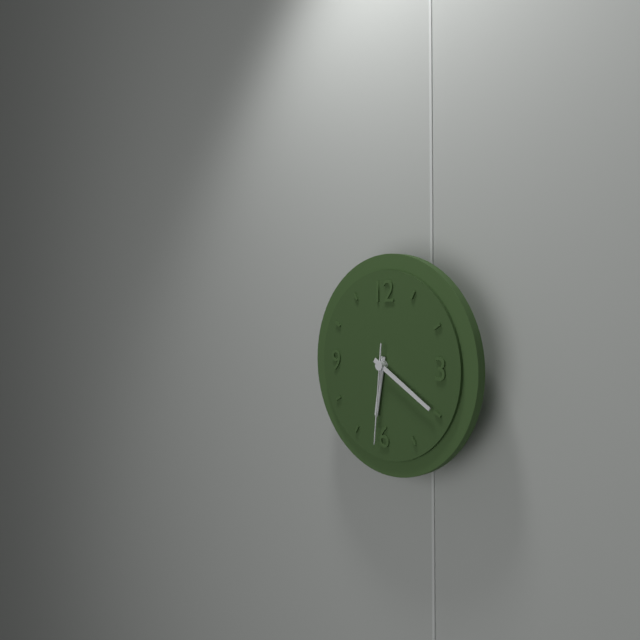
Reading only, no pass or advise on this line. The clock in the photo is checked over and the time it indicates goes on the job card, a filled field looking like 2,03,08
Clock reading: 6,20,31
